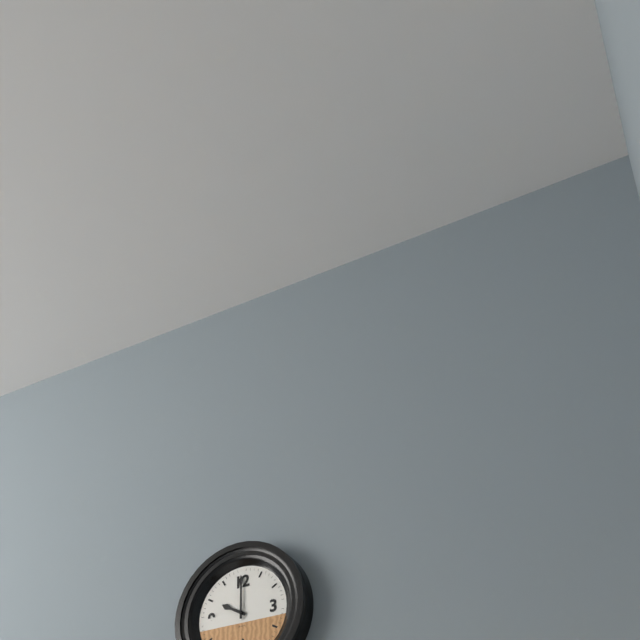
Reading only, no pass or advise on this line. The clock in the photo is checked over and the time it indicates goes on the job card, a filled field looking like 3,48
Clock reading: 10,00
